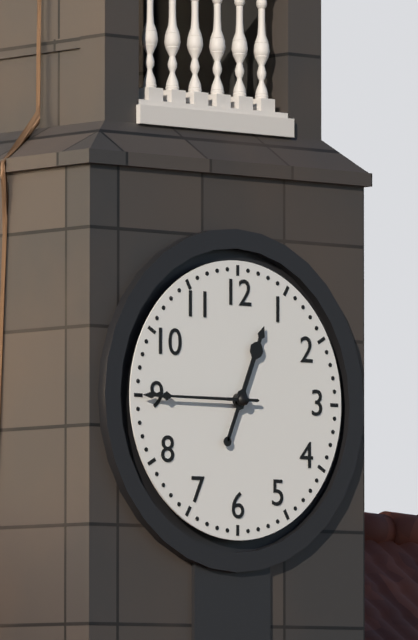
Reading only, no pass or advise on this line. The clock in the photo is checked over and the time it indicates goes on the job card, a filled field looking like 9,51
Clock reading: 12,45
